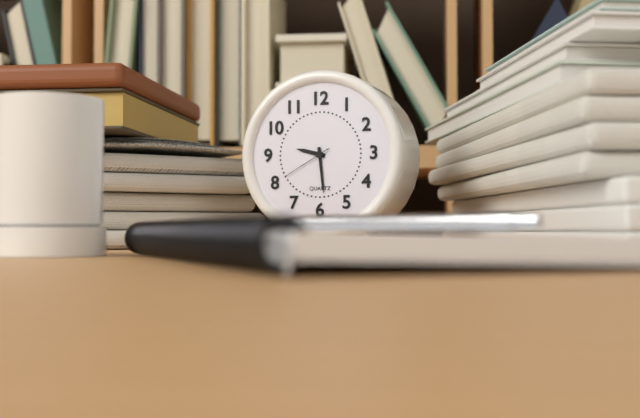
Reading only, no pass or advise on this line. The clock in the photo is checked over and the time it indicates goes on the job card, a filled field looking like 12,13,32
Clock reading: 9,29,40
